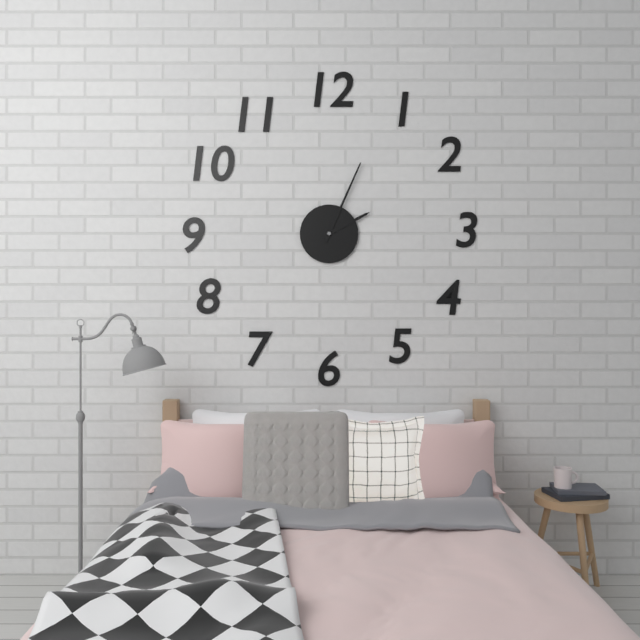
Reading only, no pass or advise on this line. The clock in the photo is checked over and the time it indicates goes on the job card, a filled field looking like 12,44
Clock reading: 2,04
